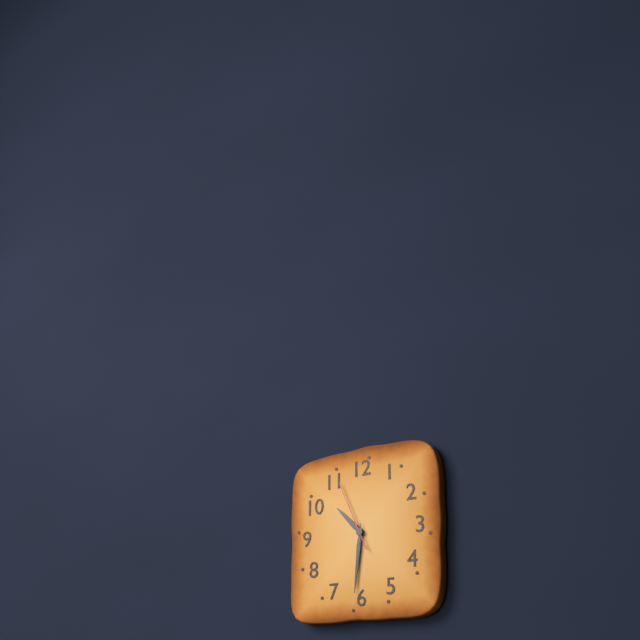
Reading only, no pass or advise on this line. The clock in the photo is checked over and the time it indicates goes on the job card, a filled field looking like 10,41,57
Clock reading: 10,31,56
